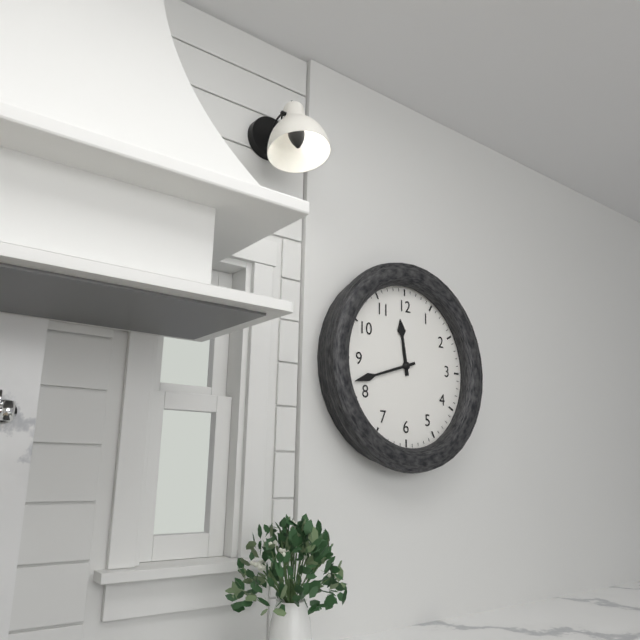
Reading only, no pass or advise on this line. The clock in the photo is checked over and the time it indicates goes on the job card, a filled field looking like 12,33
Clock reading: 11,42
